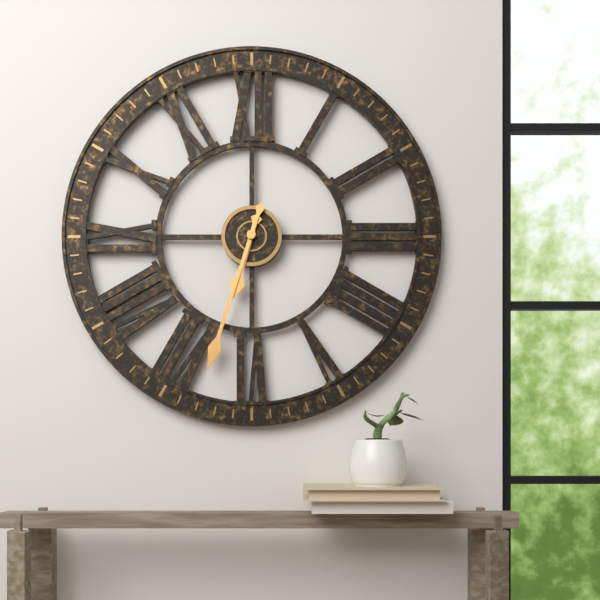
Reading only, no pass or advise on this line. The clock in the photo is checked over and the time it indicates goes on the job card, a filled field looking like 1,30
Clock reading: 6,33
